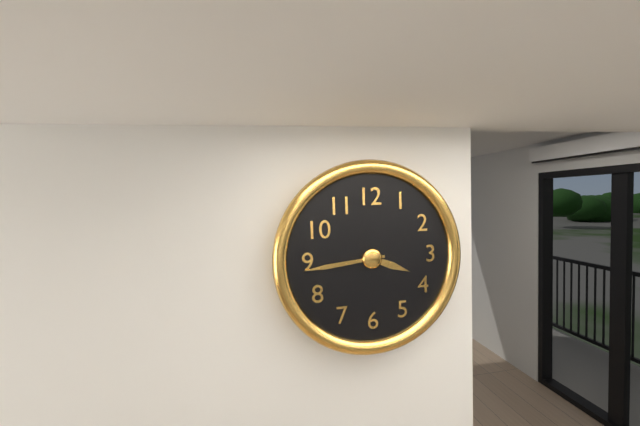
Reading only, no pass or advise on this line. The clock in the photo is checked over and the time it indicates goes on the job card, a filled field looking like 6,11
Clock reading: 3,44
